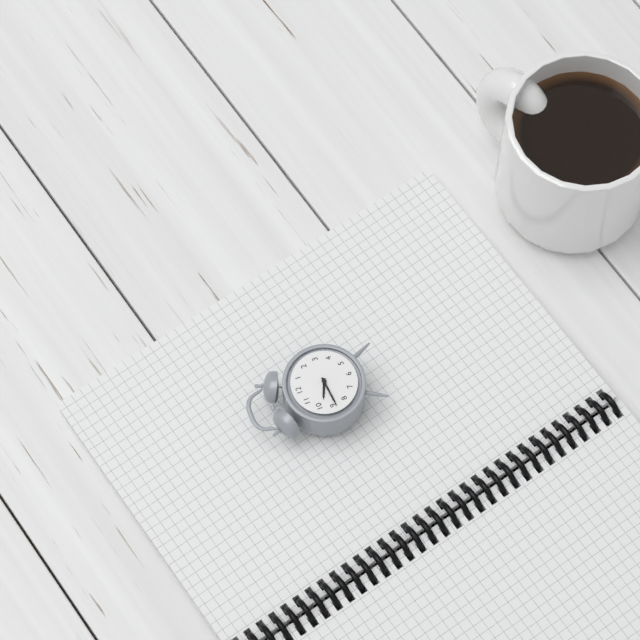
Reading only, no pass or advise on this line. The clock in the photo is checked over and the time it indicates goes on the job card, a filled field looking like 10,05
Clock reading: 9,44
